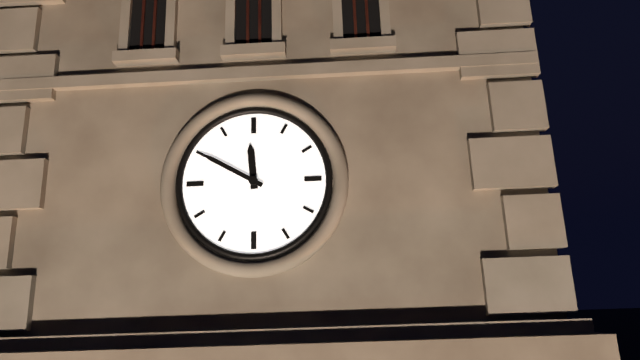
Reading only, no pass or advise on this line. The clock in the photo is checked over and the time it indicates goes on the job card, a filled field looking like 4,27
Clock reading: 11,50
